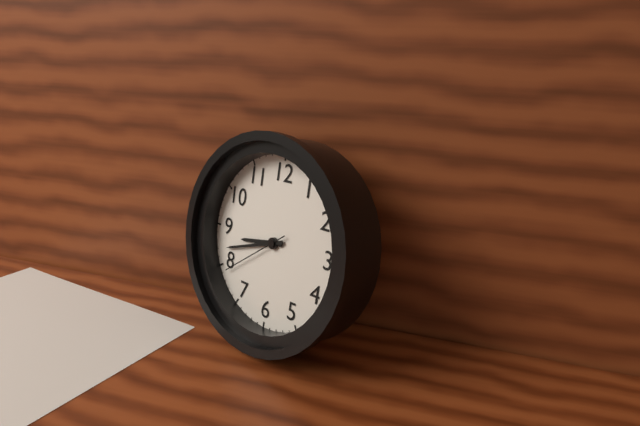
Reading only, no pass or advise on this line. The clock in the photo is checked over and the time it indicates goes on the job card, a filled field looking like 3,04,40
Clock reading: 8,42,39
